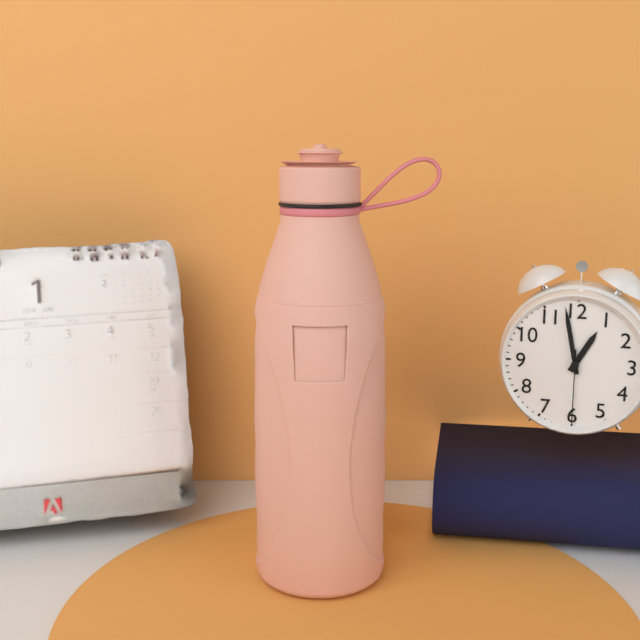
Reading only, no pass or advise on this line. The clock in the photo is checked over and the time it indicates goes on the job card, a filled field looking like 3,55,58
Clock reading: 12,58,30
